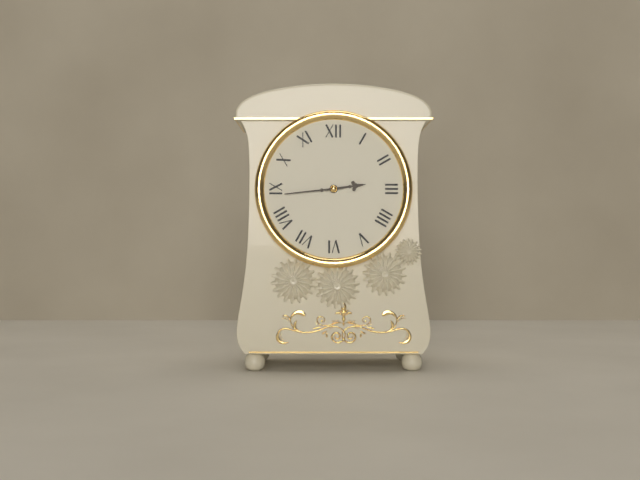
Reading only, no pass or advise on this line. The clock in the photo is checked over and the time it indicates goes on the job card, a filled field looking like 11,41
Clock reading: 2,44
